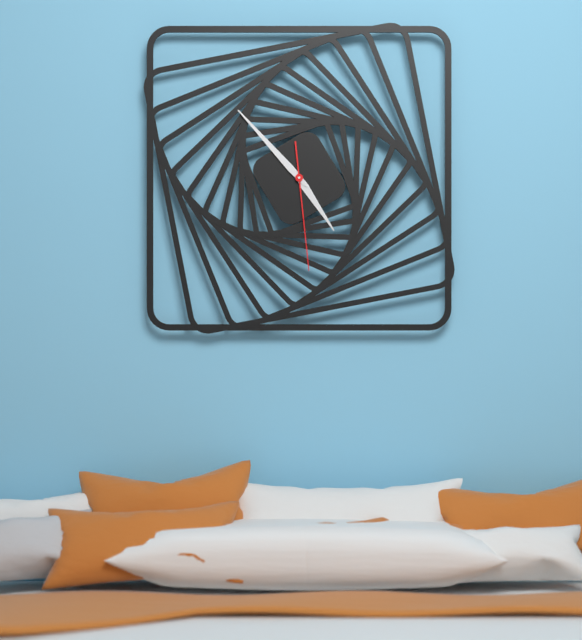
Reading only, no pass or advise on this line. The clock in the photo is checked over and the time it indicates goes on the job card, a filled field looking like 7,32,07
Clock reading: 4,53,29
